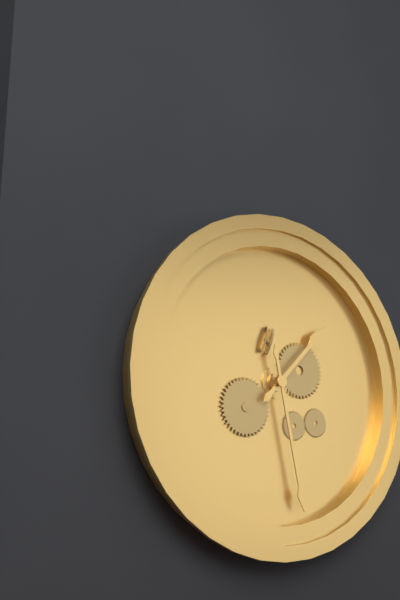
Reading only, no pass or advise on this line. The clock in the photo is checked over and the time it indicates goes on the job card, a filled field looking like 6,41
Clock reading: 1,28
